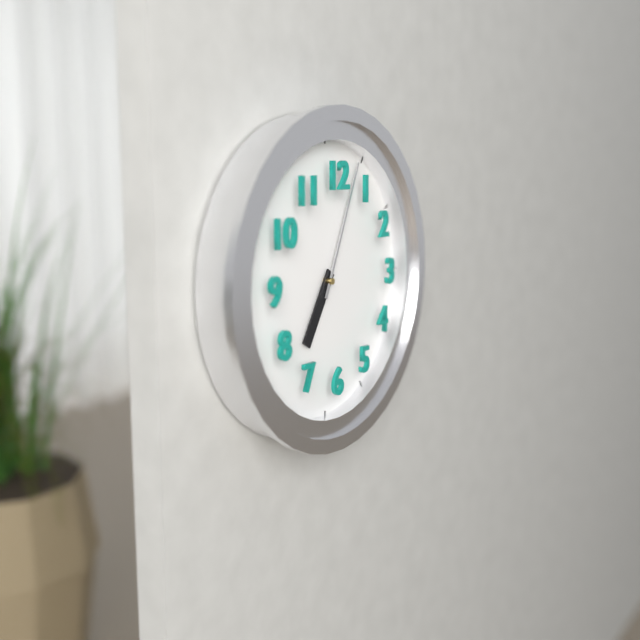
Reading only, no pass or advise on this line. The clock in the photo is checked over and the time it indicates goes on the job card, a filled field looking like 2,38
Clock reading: 7,04
